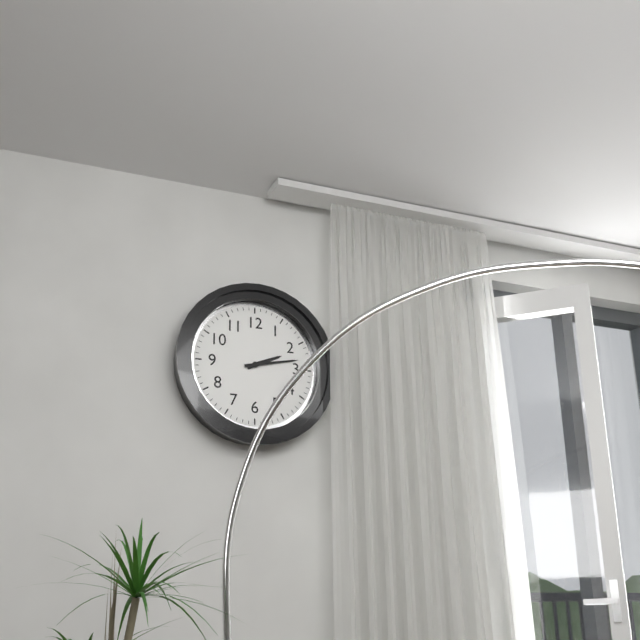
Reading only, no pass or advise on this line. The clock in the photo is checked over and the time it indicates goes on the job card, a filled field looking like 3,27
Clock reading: 2,13
